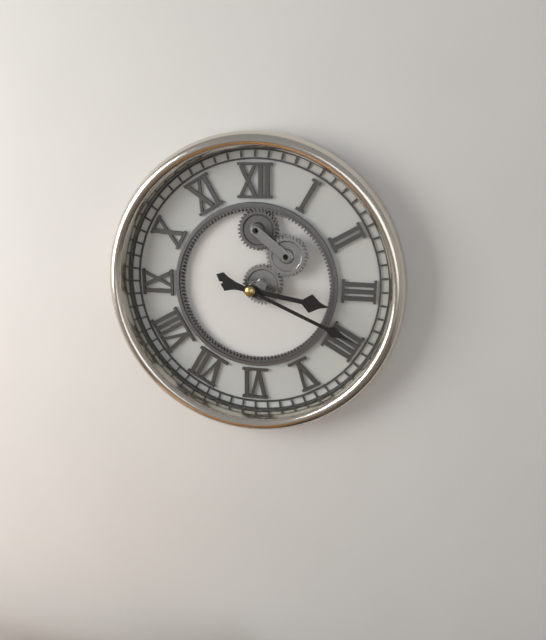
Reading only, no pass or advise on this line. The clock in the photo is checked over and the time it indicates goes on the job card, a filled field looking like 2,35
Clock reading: 3,19
